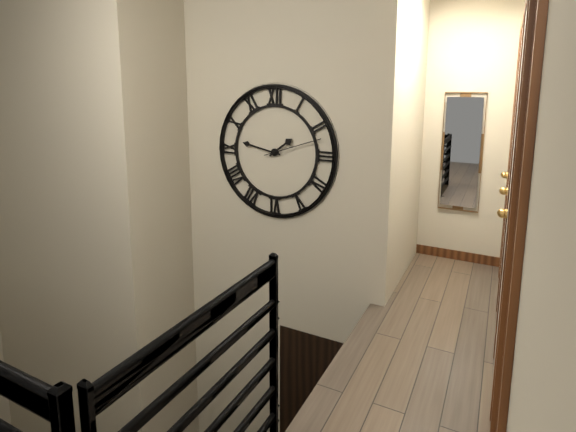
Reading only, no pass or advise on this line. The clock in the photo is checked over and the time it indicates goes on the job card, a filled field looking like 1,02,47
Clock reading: 1,47,12
